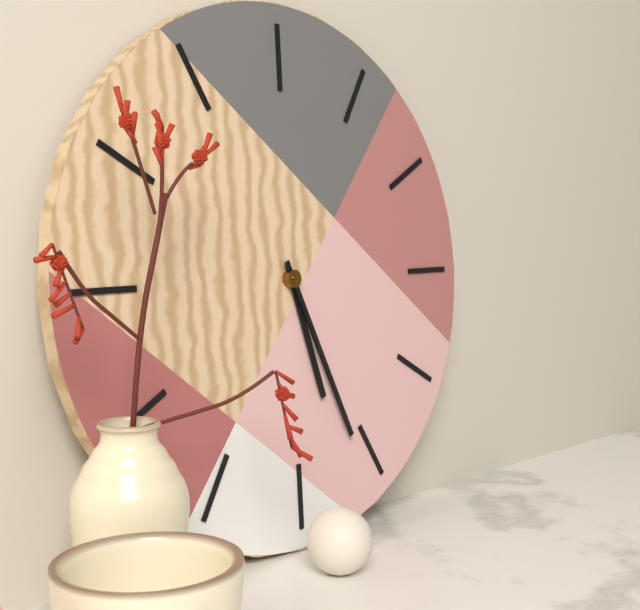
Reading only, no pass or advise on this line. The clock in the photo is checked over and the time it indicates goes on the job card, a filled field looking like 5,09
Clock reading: 5,26
